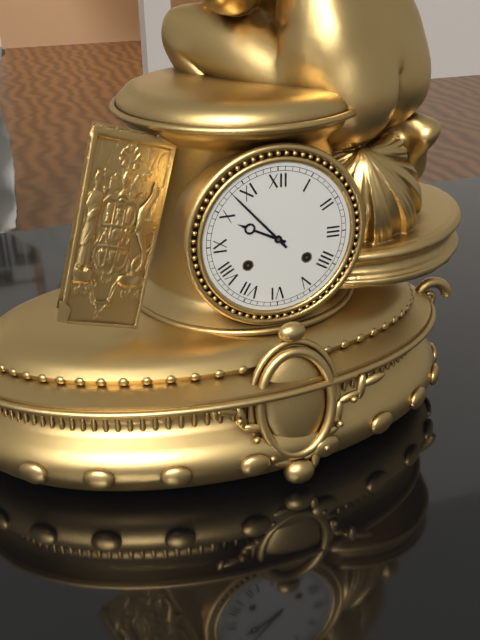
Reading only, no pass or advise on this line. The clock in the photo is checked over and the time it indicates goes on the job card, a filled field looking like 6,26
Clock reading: 9,53
